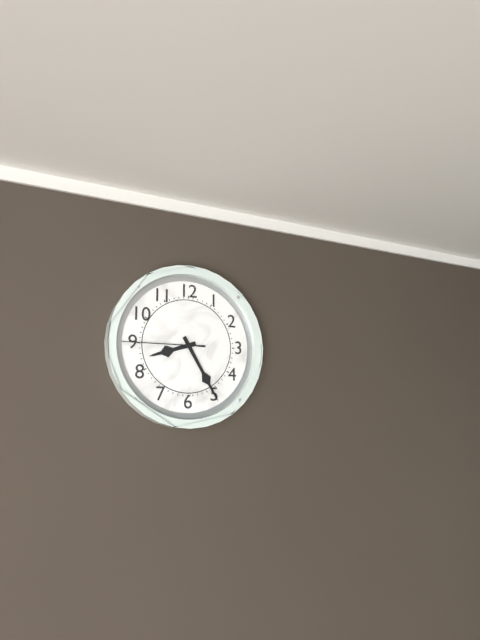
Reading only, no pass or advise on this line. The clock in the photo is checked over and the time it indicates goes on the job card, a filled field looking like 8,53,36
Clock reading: 8,25,45
